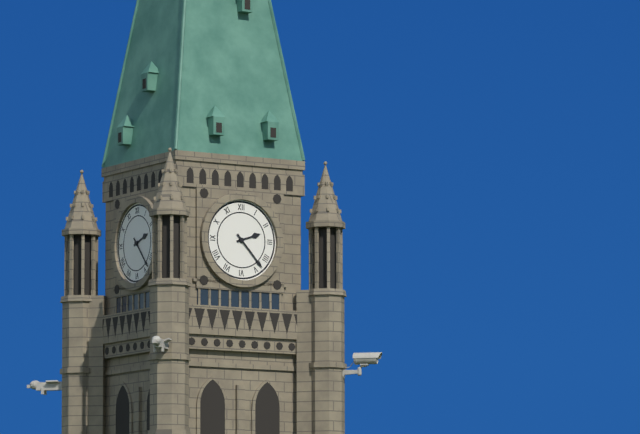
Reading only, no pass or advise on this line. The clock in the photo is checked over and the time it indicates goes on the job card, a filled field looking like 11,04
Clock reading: 2,23
